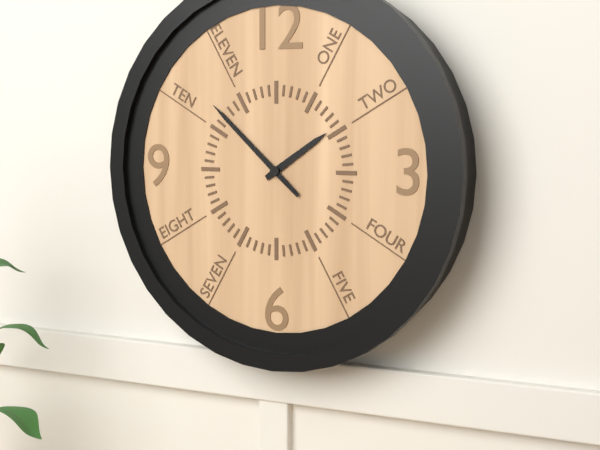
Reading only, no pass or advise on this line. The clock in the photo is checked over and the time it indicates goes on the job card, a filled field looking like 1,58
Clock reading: 1,52
